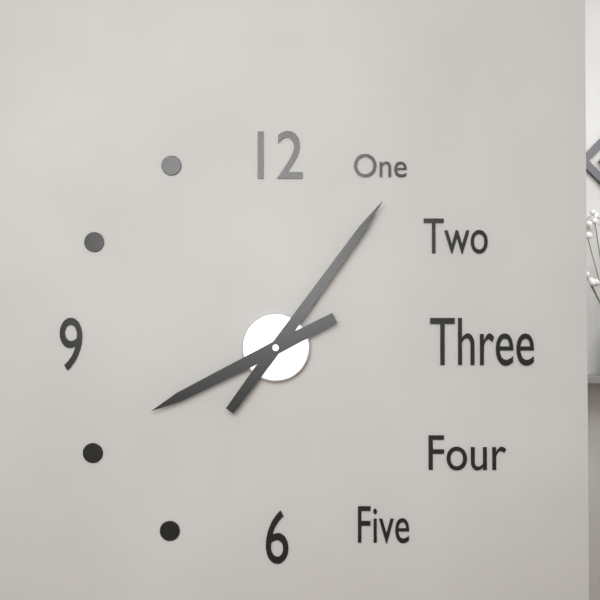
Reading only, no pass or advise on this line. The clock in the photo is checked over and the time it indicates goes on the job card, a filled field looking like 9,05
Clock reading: 8,06
